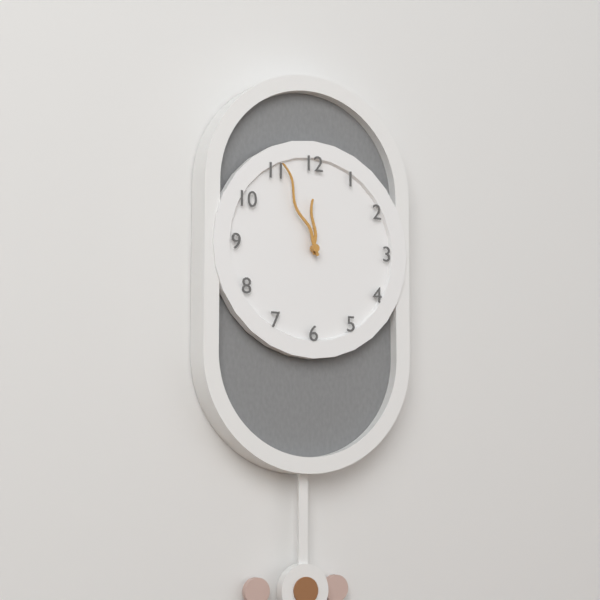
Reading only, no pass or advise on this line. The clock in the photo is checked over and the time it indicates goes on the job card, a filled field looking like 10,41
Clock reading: 11,56
